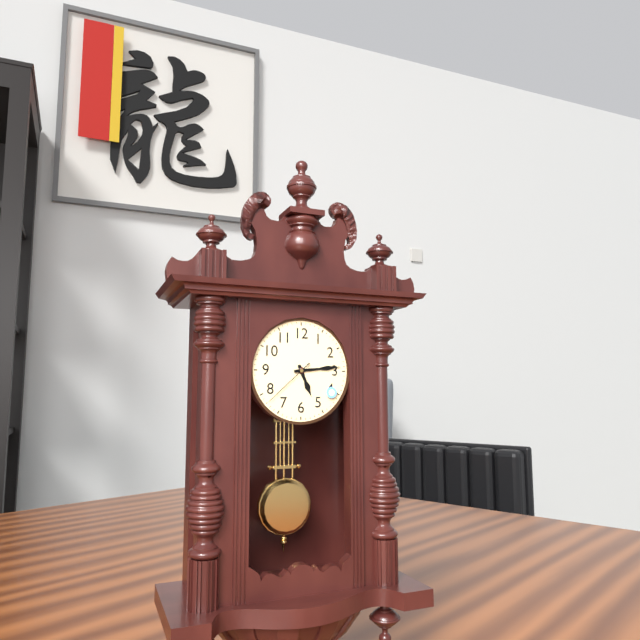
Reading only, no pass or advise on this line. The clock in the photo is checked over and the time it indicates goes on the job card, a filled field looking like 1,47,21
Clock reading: 5,14,38
